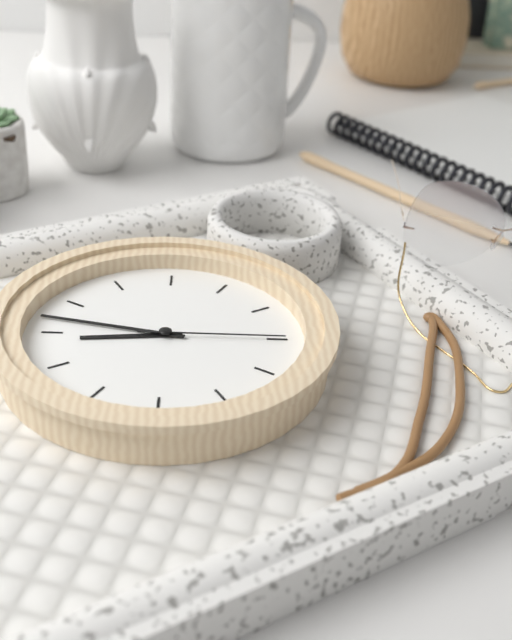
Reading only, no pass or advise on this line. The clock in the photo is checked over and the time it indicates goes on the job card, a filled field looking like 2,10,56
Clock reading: 8,47,15
